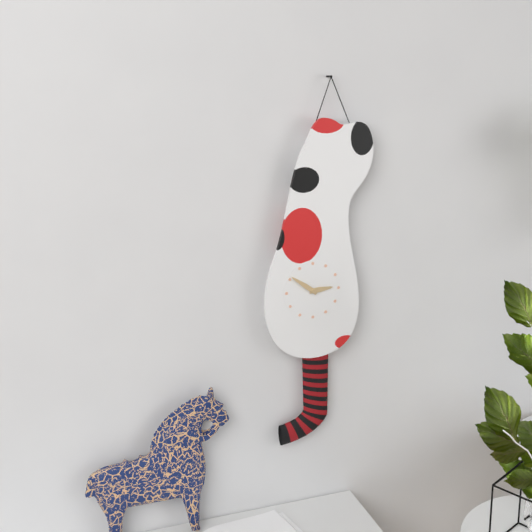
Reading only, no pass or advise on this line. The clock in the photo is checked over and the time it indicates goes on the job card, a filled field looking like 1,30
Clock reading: 2,51
